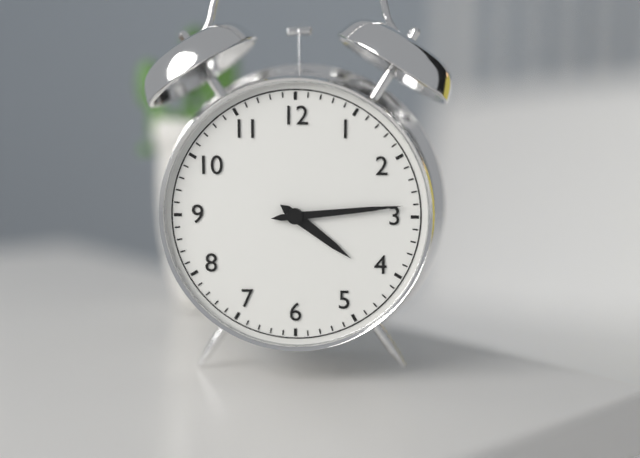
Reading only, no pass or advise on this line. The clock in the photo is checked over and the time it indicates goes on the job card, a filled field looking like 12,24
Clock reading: 4,14
